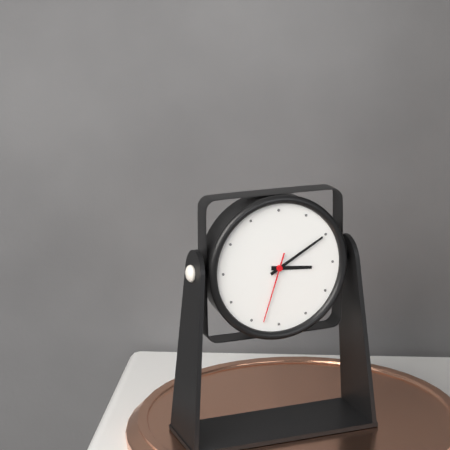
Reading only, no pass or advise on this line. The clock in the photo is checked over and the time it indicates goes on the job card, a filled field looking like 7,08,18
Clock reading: 3,10,33
